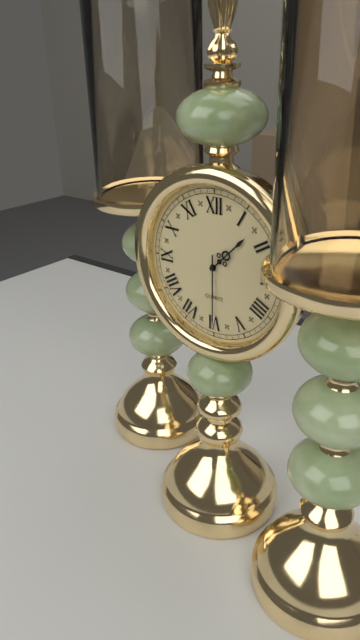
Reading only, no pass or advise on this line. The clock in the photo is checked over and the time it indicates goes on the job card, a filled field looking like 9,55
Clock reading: 1,30
